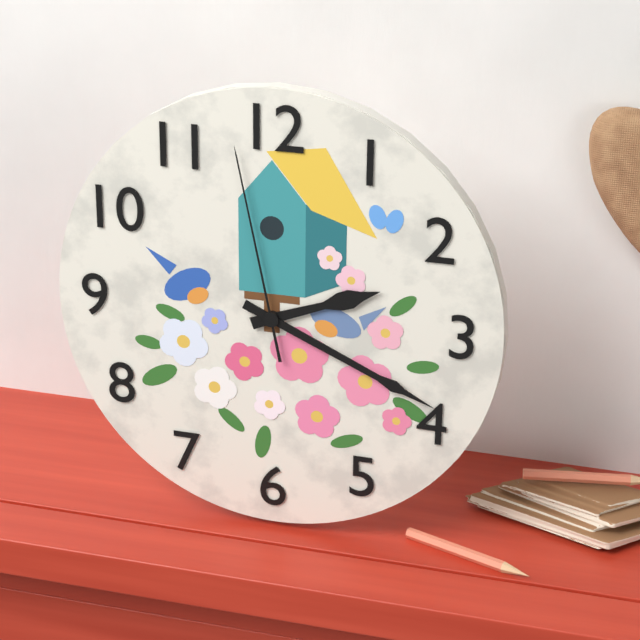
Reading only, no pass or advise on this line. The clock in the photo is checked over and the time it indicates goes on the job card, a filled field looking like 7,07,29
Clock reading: 2,19,58
